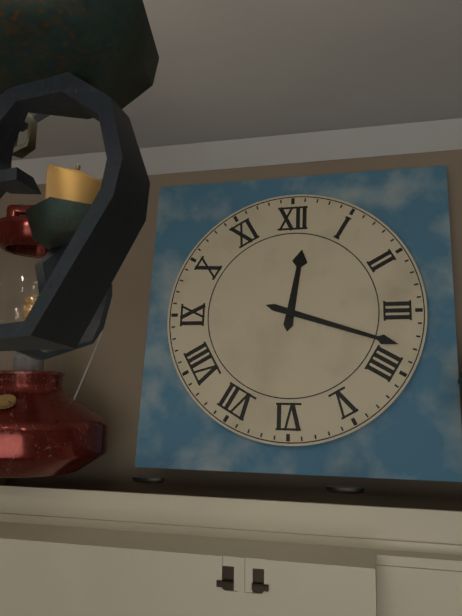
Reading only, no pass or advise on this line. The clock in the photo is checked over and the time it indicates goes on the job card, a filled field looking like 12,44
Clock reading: 12,18
